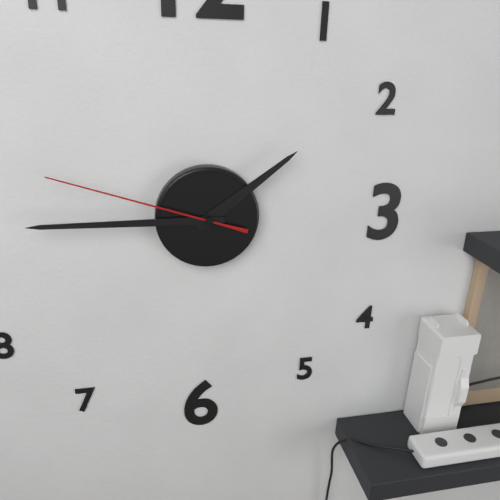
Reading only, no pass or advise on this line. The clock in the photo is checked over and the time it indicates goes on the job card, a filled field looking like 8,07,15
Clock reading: 1,45,48
